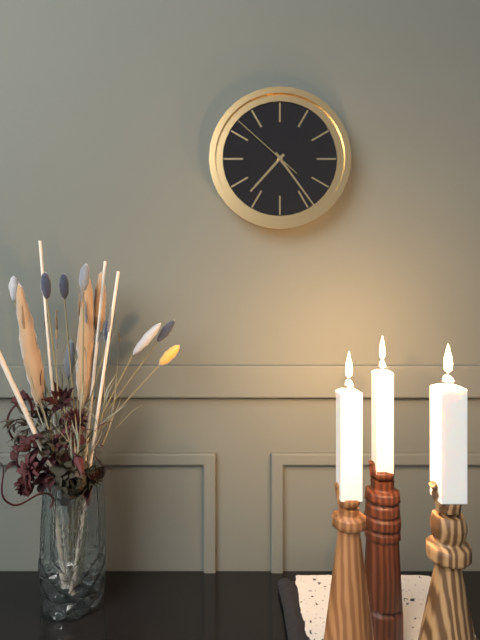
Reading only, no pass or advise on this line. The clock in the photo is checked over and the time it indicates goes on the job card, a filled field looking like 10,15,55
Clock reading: 7,24,52
